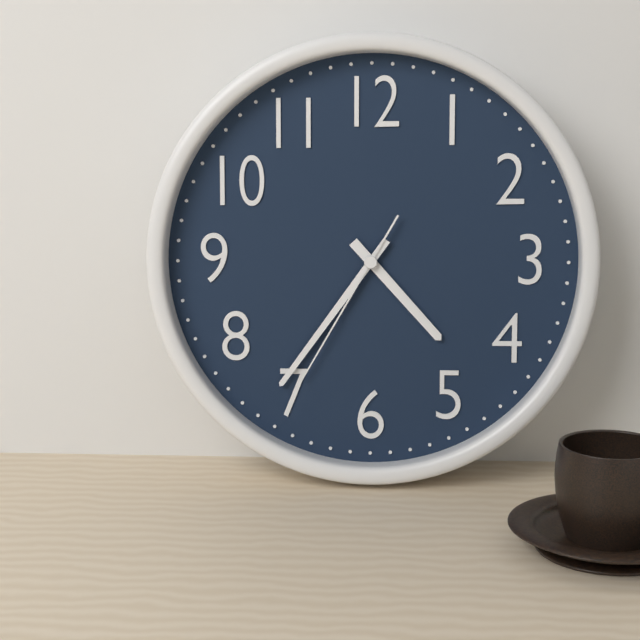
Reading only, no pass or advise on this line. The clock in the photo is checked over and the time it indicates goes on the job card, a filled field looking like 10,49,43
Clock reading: 4,36,35
